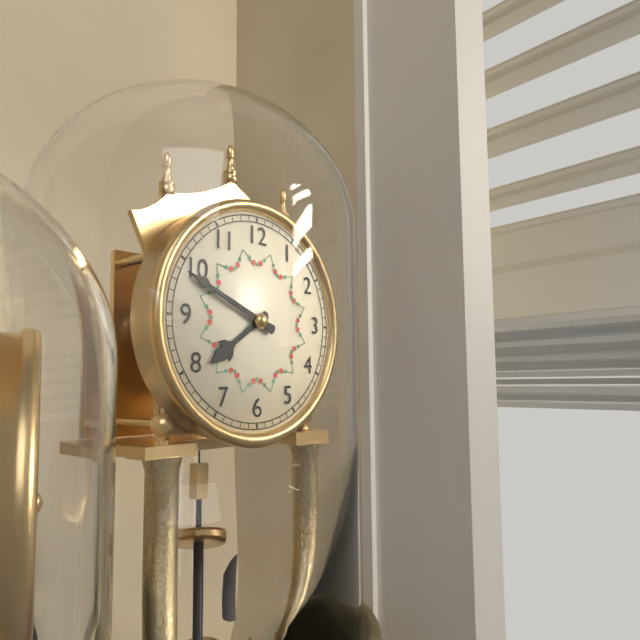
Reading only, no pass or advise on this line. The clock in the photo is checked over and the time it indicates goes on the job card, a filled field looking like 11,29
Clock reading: 7,49
